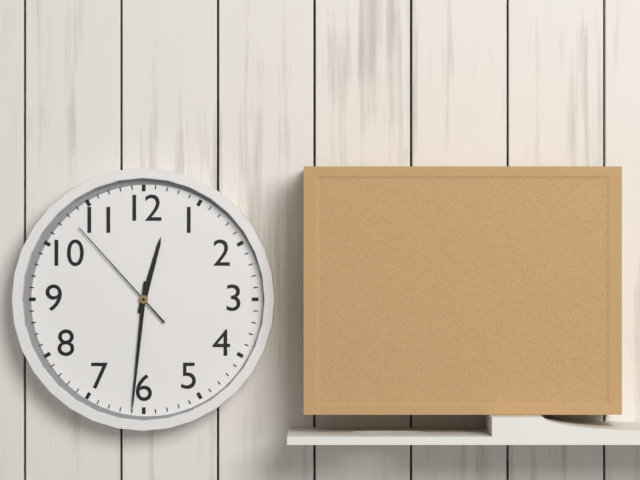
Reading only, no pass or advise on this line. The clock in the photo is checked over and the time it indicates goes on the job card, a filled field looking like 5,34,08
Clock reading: 12,31,53
